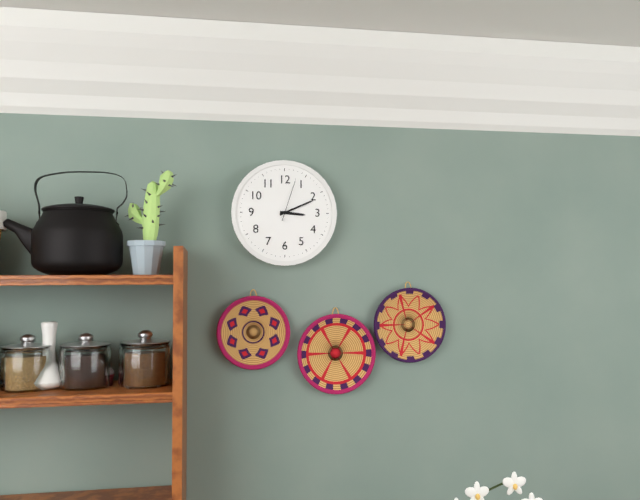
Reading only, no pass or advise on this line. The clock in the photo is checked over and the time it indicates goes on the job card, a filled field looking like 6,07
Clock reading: 3,11
